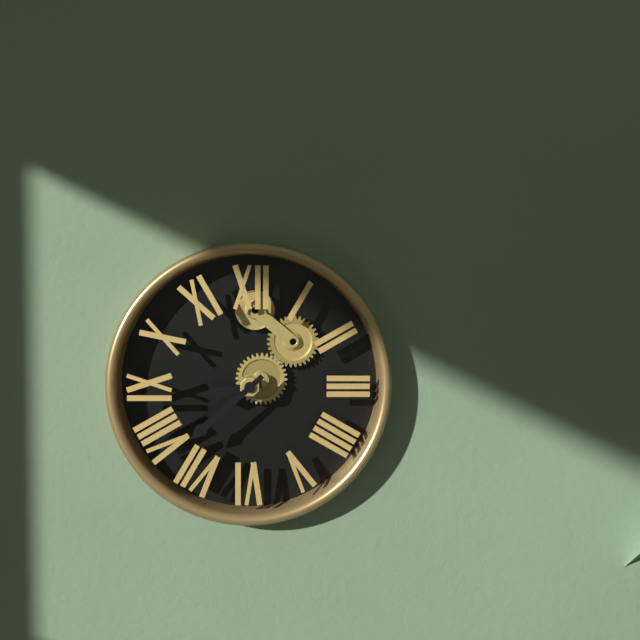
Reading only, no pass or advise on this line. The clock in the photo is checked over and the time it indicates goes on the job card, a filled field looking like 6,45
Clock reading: 8,38
